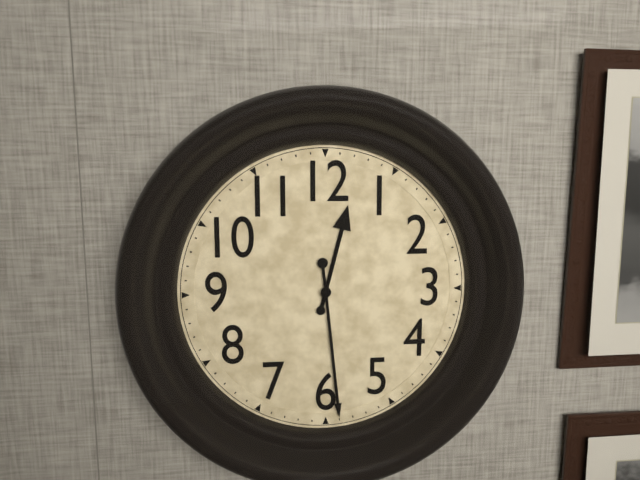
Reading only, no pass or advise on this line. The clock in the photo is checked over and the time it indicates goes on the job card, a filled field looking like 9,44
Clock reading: 12,29
